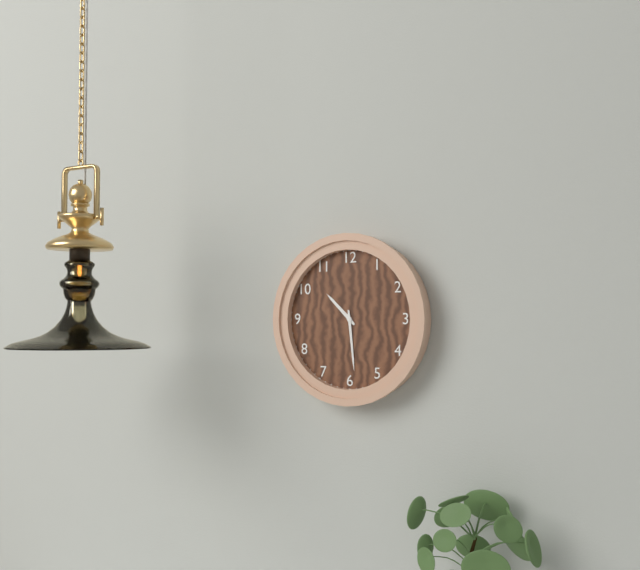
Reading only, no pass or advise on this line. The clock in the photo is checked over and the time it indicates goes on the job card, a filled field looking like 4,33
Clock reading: 10,29
